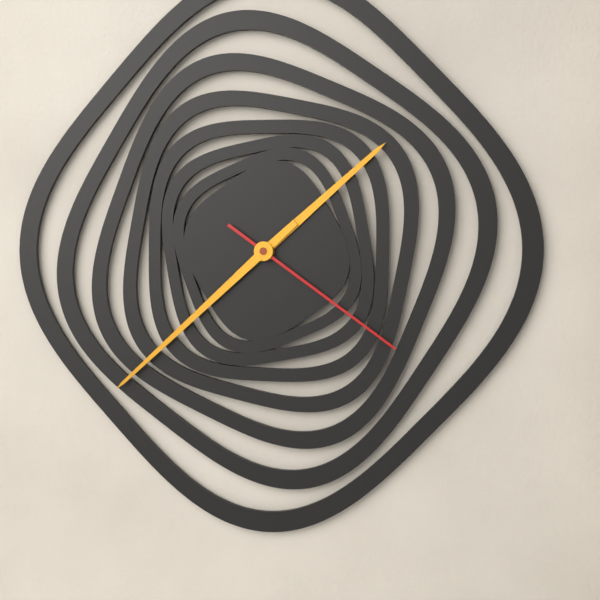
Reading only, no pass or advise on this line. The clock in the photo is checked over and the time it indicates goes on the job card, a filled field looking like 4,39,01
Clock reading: 1,38,21
